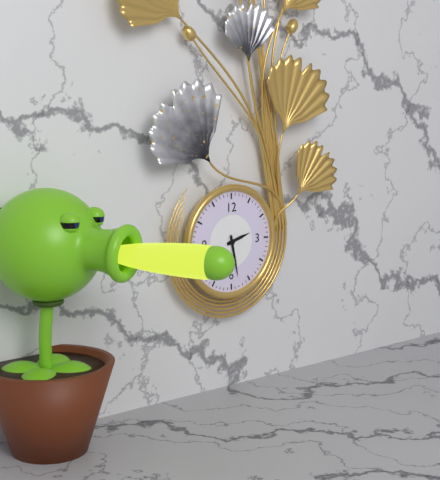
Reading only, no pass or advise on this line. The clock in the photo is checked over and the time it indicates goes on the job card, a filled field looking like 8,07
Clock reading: 2,28
